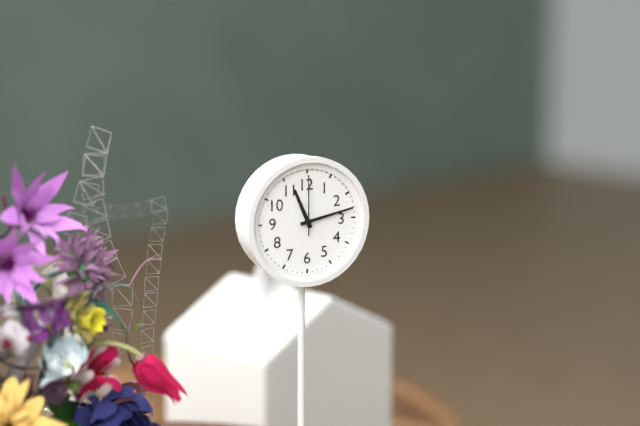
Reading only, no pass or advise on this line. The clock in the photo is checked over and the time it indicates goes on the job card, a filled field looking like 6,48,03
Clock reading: 11,13,00
